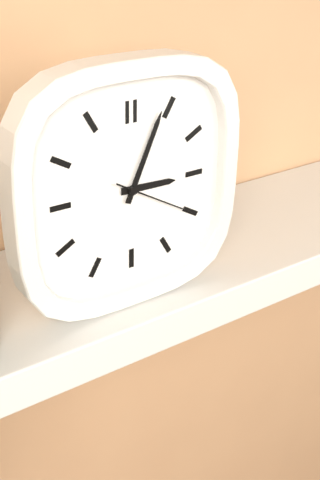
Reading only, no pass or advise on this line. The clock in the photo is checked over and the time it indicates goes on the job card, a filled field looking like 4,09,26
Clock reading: 3,04,20
